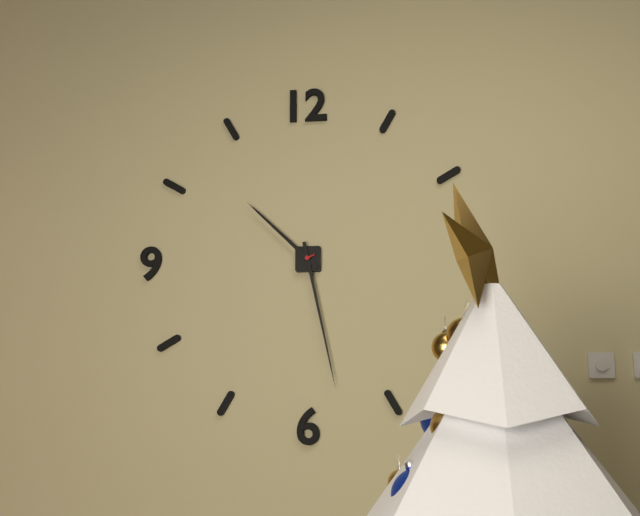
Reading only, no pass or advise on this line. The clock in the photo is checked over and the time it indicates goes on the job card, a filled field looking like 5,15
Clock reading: 10,28
